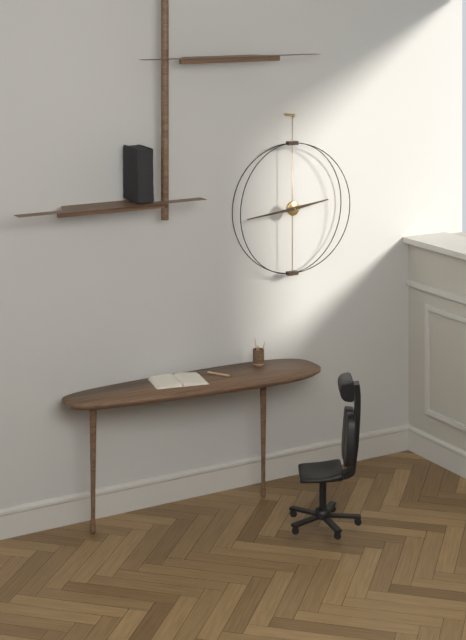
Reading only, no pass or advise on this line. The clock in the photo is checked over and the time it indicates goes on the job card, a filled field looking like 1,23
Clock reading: 2,44
